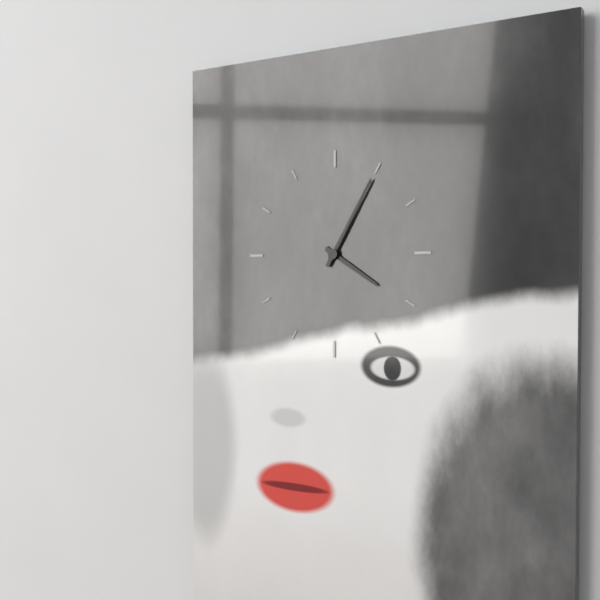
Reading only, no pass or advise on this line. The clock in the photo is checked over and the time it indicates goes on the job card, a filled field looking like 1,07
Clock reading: 4,05
